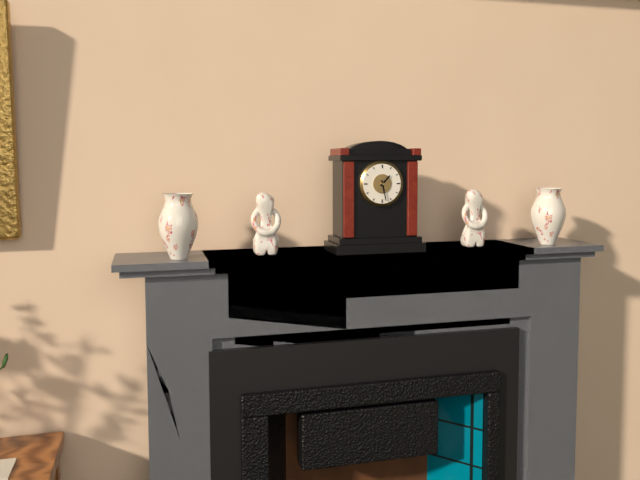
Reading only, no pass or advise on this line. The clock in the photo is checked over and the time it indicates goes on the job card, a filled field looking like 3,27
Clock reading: 1,28
